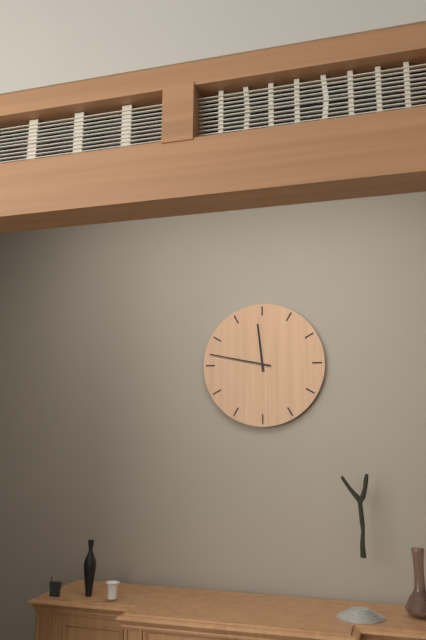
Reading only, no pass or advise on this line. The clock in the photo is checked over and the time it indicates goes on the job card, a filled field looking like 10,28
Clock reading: 11,47
